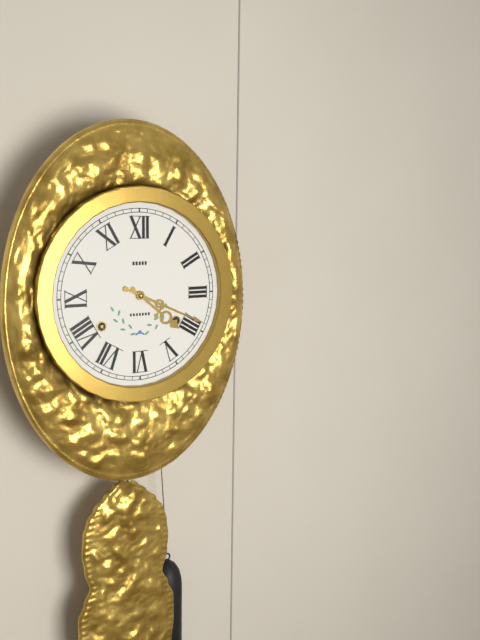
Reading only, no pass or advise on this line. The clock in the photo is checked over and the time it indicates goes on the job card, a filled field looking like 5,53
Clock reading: 4,19
